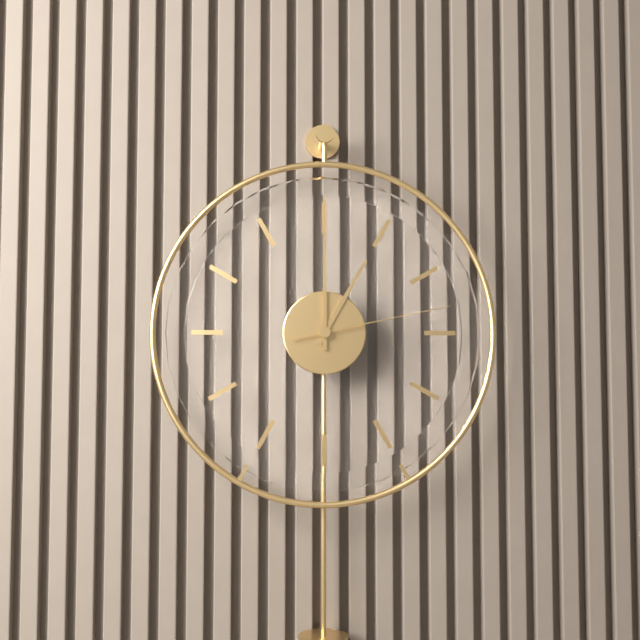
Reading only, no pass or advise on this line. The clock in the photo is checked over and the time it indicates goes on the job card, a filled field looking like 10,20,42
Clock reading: 1,00,13
